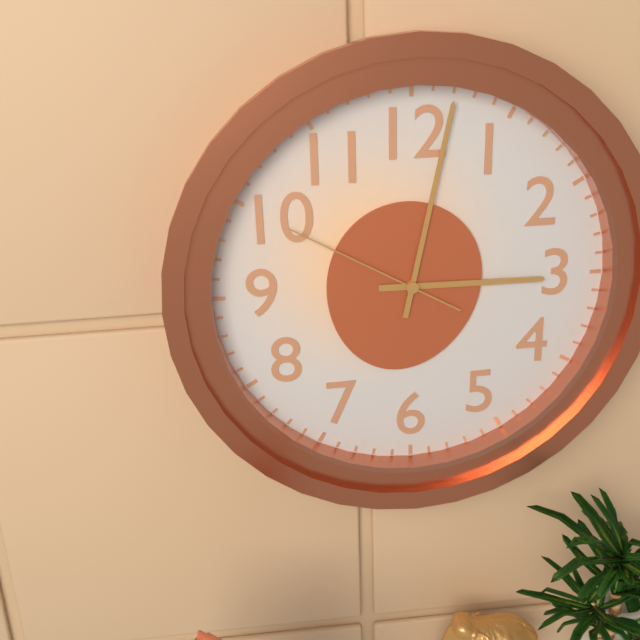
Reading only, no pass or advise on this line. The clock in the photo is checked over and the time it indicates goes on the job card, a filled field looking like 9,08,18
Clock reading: 3,02,50
